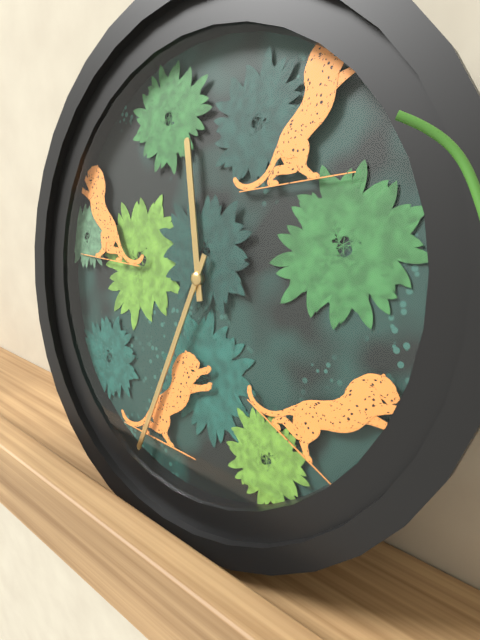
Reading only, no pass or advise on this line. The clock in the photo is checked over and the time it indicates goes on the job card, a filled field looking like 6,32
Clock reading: 11,33
